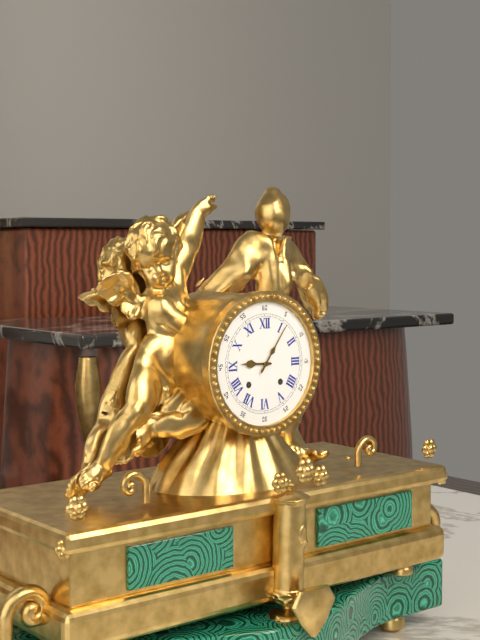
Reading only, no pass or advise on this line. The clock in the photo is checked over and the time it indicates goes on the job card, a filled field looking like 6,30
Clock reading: 9,06
